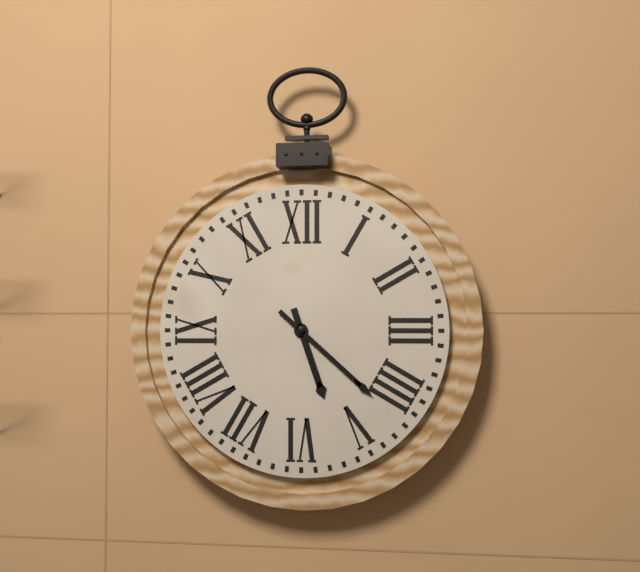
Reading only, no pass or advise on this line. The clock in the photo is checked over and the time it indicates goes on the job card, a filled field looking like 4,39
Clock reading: 5,22
